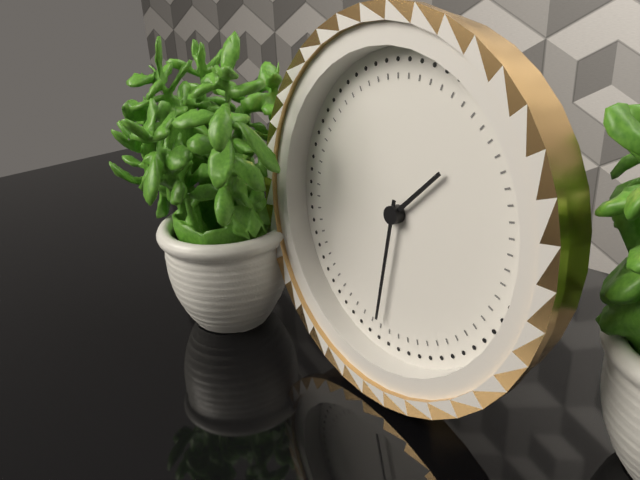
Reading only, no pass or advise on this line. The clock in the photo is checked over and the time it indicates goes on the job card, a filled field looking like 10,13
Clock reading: 1,31
